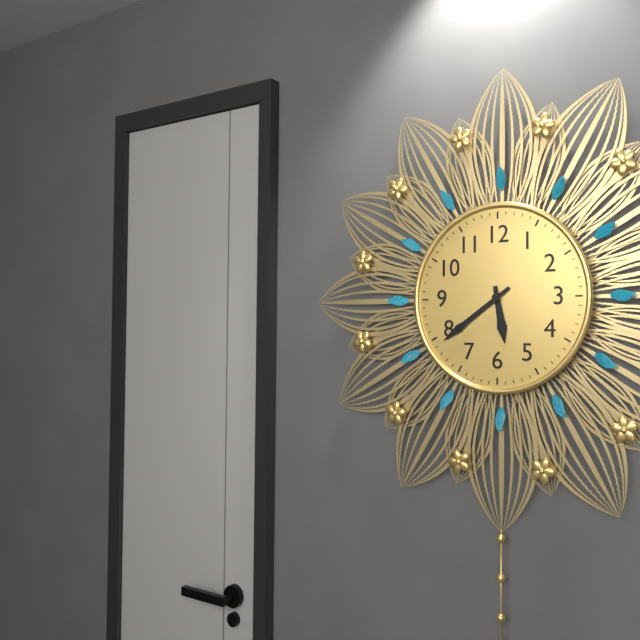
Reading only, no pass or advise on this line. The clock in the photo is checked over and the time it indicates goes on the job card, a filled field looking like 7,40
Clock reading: 5,39
